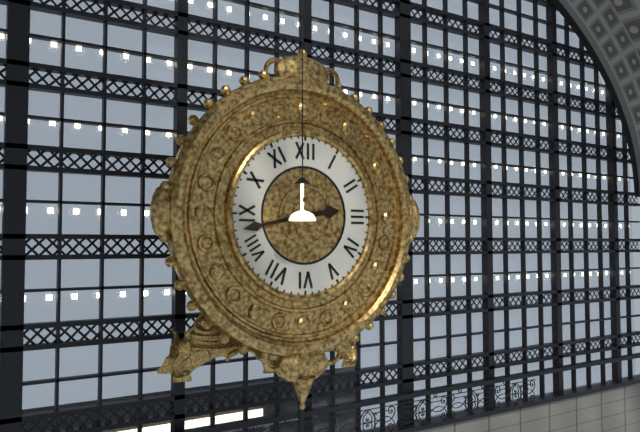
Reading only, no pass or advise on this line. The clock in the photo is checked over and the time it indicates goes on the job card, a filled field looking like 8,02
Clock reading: 2,43
